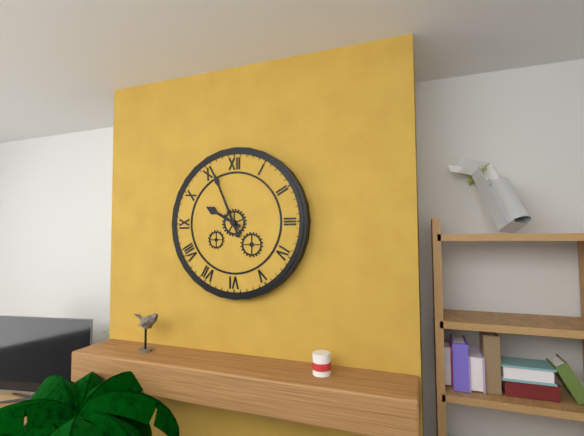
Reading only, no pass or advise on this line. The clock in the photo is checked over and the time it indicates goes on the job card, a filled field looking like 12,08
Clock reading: 9,56
